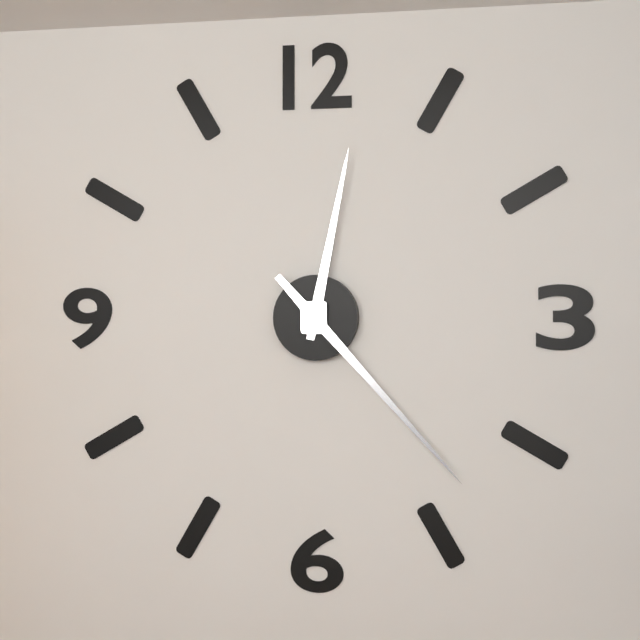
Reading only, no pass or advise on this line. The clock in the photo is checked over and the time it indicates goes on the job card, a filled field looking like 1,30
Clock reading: 12,23
